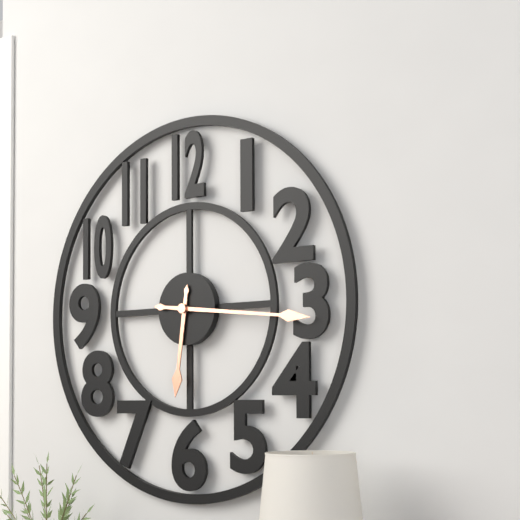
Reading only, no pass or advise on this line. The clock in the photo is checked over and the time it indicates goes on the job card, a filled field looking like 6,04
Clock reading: 6,16
